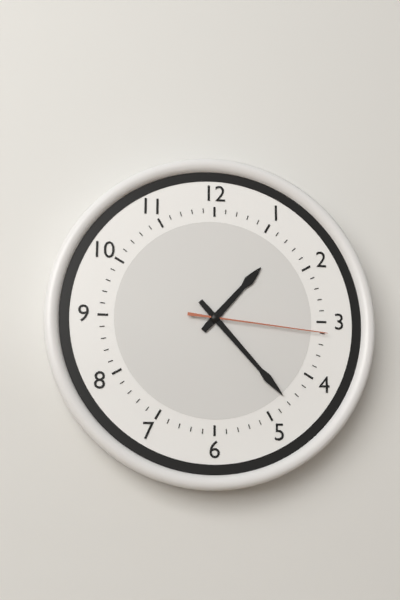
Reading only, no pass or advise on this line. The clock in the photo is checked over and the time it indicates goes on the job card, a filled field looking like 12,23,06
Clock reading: 1,23,16
